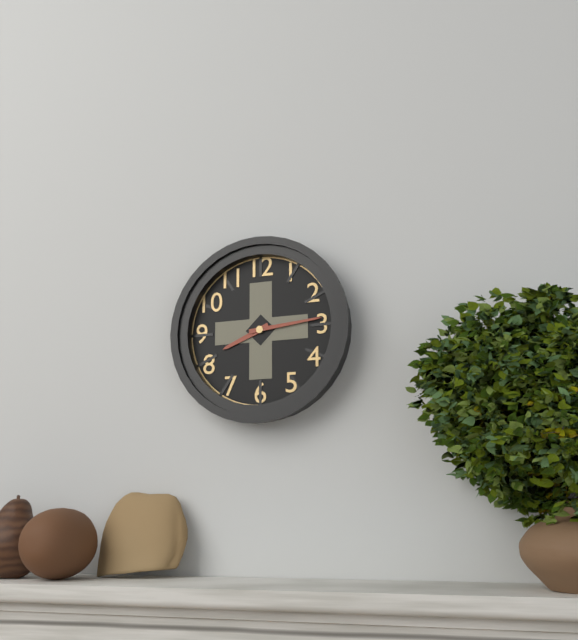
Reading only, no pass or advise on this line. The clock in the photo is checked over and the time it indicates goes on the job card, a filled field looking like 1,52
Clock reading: 8,14
